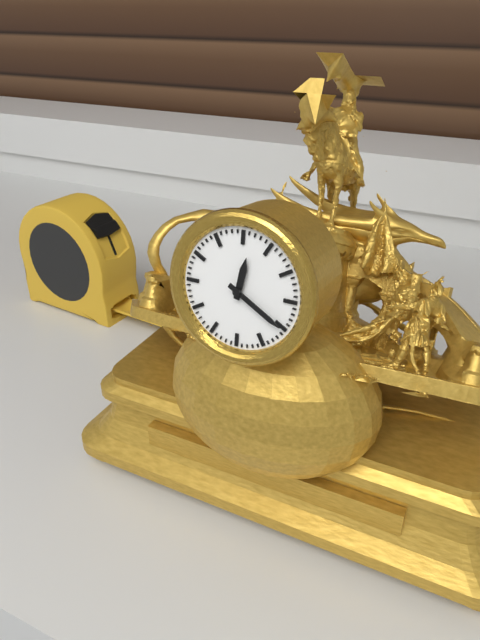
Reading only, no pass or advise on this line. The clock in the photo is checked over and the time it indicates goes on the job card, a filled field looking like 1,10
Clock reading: 12,20
